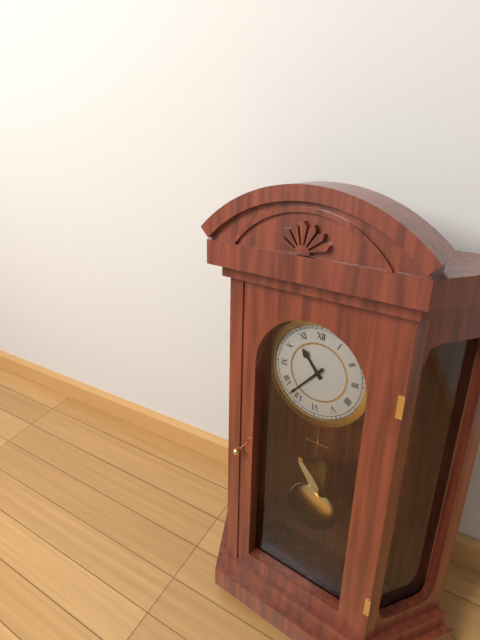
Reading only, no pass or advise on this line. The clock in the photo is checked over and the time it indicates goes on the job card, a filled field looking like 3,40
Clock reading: 10,37
